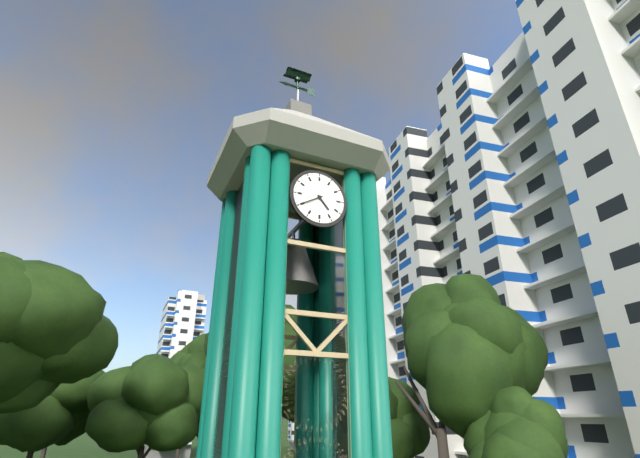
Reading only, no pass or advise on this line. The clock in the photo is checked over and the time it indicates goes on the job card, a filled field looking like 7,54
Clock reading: 4,40
